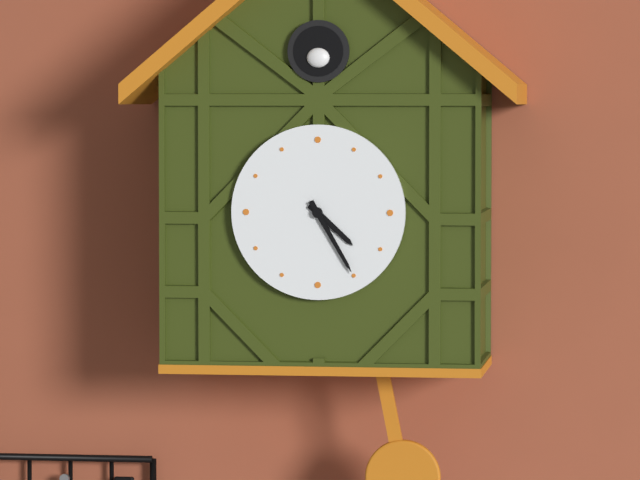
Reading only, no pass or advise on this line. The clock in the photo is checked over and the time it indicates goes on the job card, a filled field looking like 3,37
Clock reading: 4,25
